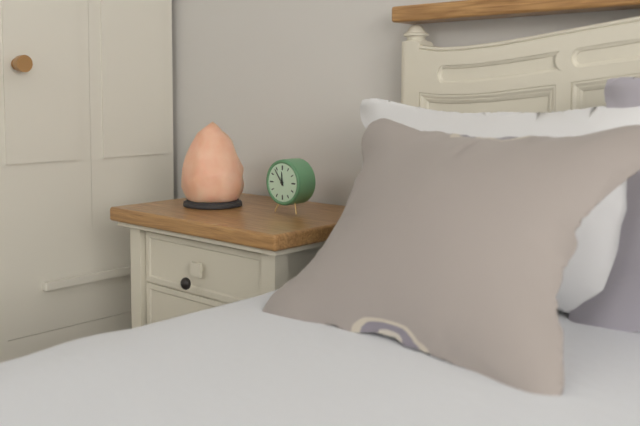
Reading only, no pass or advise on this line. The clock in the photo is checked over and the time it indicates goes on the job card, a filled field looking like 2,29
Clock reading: 11,54
